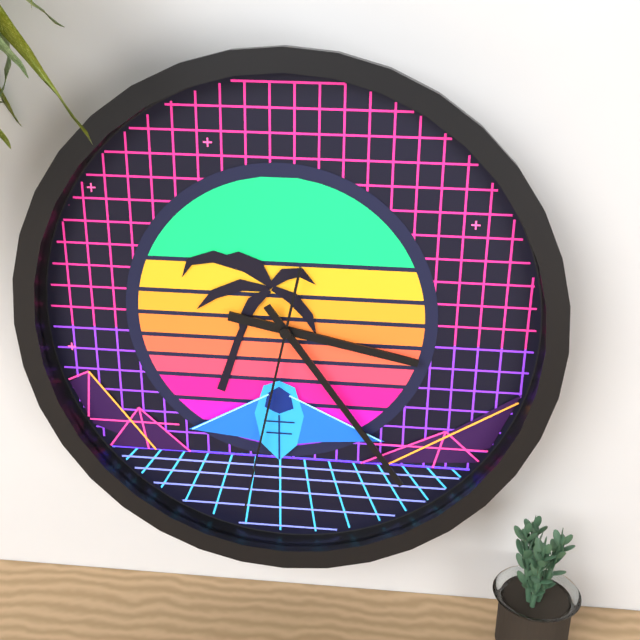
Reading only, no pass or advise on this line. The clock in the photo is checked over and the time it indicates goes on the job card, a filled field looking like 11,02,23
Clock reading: 3,24,32
